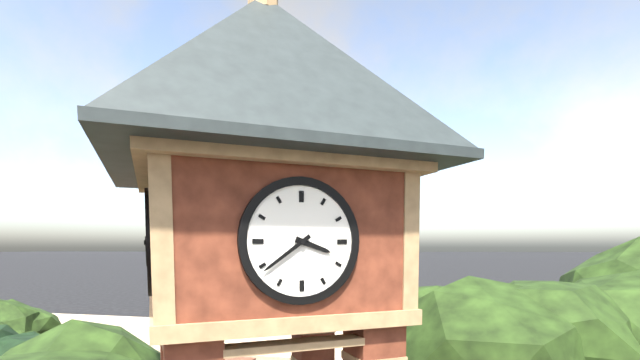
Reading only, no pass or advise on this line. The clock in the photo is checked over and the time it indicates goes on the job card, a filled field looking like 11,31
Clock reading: 3,39
